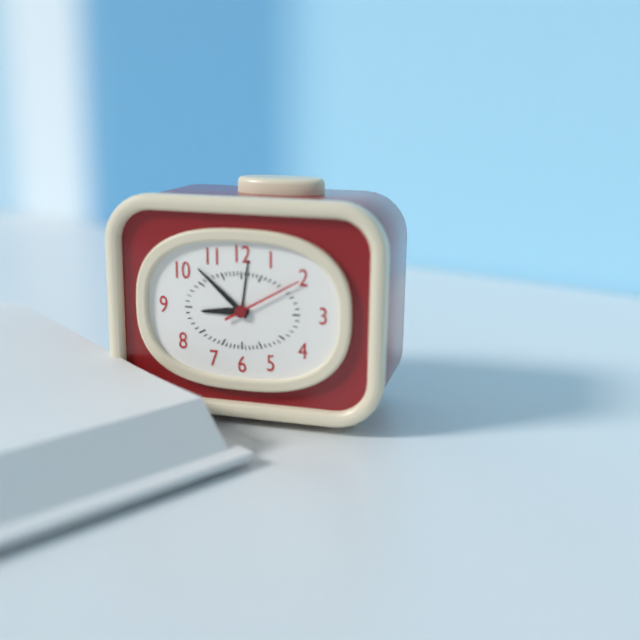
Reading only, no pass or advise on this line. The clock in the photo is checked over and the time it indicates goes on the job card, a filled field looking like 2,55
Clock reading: 8,52
